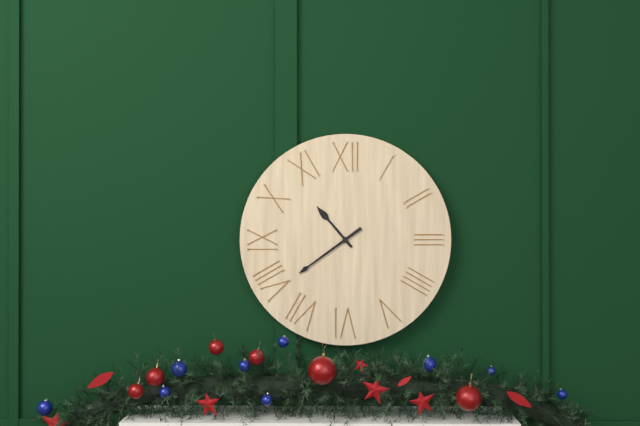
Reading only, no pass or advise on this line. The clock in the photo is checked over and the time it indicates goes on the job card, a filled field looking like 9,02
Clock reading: 10,39
